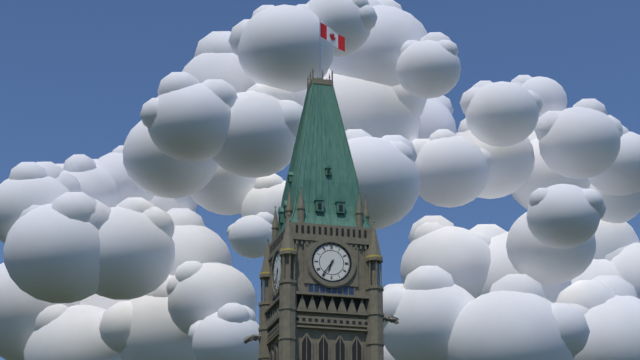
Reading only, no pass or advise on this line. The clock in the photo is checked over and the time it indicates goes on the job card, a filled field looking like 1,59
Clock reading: 6,36
